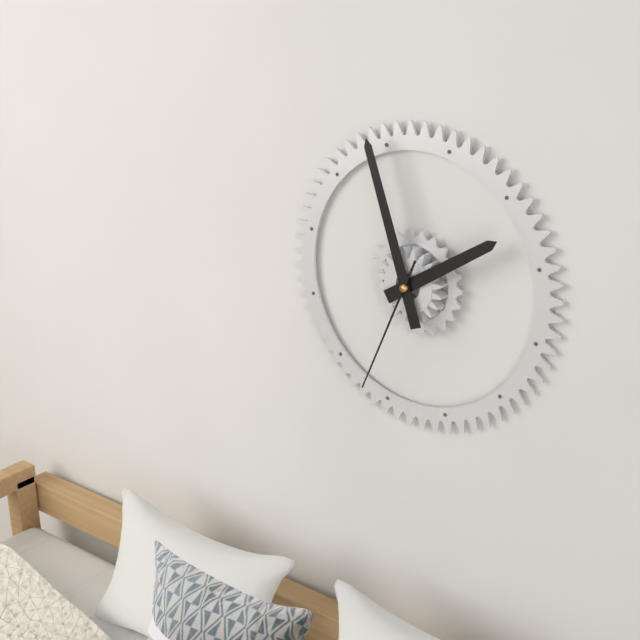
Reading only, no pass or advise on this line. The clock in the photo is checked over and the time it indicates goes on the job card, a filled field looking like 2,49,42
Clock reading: 1,57,34
